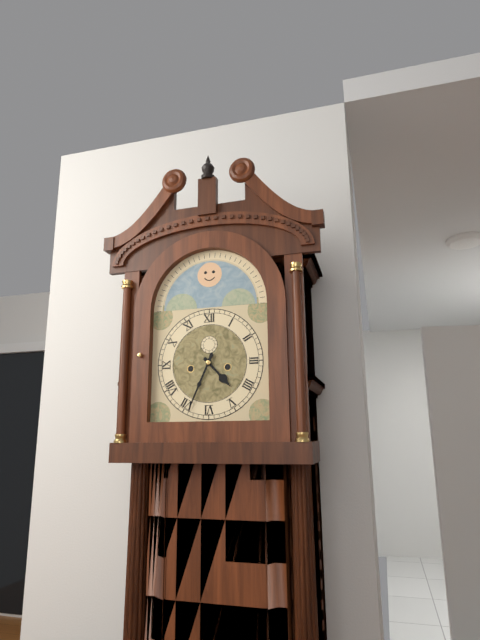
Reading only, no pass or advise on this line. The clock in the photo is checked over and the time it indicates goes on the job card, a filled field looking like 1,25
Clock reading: 4,34
